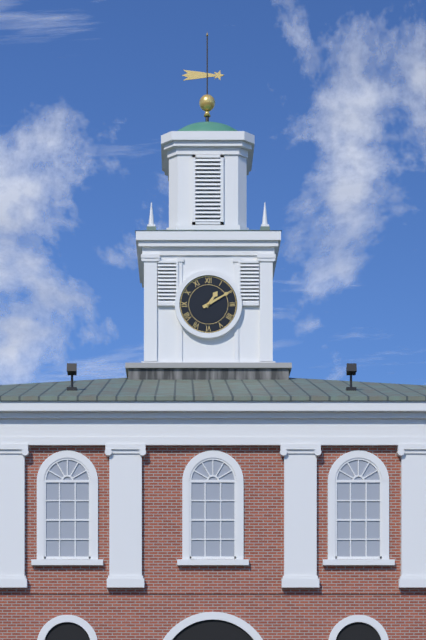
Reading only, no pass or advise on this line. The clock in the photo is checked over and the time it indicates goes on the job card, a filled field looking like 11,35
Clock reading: 1,10
